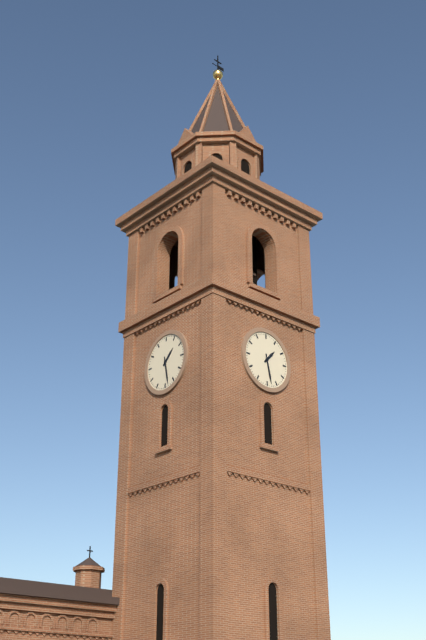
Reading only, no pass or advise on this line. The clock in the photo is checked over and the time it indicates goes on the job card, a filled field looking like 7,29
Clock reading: 1,28
